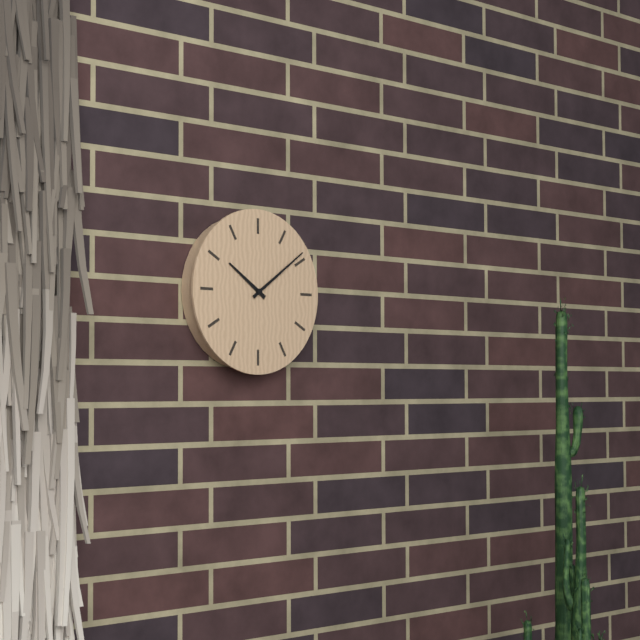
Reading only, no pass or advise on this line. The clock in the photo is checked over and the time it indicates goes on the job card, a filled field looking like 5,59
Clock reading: 10,09
